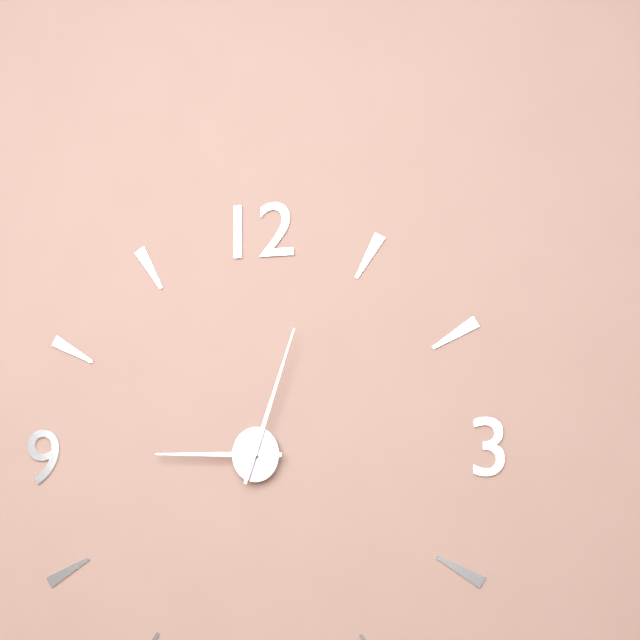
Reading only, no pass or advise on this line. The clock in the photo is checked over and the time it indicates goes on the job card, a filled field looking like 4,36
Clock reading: 9,03
